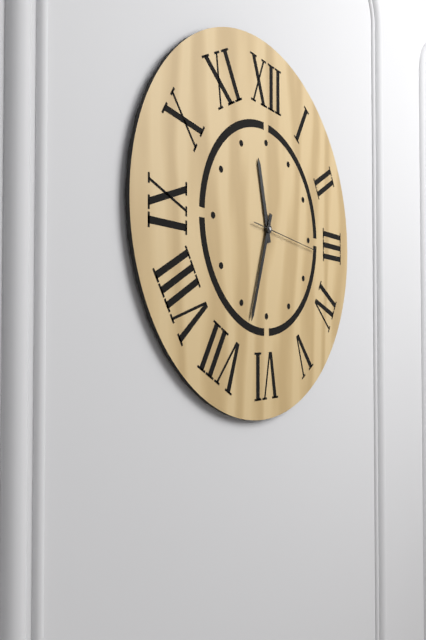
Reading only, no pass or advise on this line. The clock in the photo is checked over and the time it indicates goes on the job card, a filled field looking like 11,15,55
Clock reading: 11,33,16
